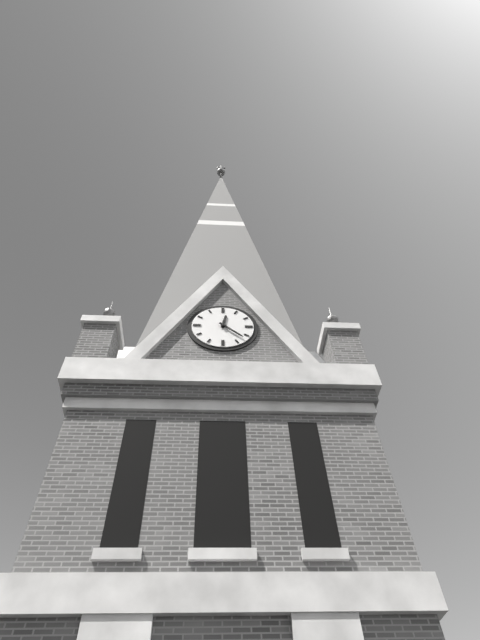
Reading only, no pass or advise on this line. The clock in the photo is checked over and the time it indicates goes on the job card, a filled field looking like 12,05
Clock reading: 12,22
